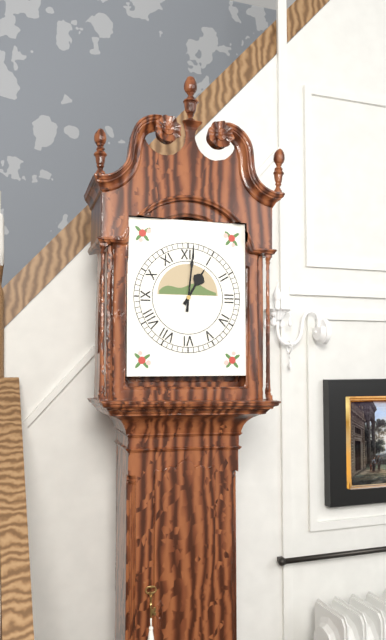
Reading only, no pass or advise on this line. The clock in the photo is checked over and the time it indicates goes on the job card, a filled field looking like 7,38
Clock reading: 1,01
